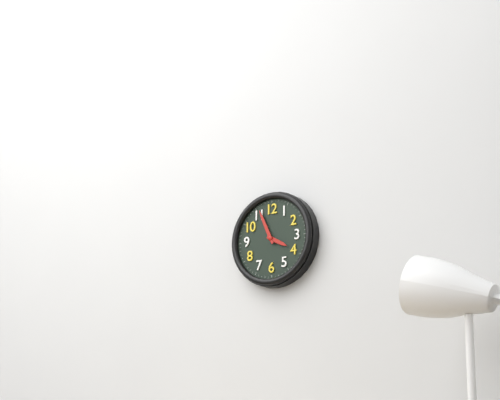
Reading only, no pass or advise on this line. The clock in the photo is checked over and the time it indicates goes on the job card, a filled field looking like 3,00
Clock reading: 3,56
